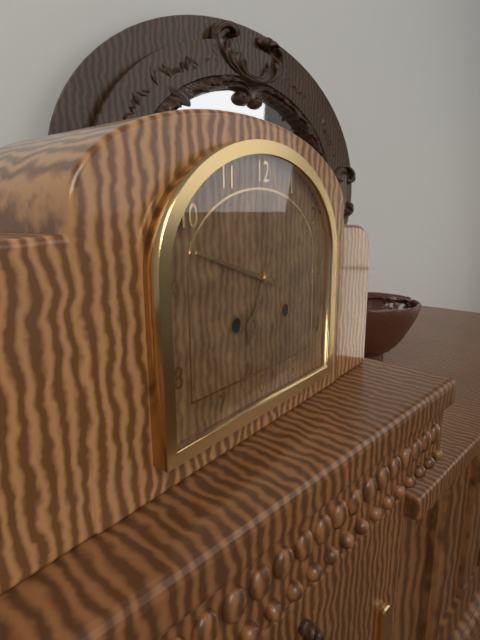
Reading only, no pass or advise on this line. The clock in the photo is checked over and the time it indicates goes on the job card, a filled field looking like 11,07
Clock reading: 6,48
